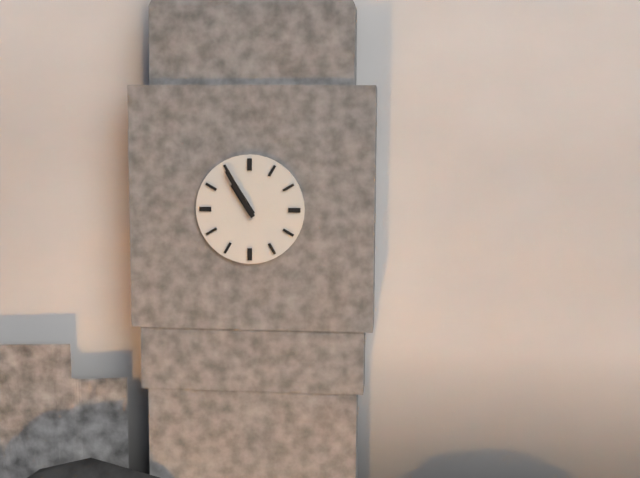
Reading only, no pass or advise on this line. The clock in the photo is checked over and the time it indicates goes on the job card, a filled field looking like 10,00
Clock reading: 10,55
